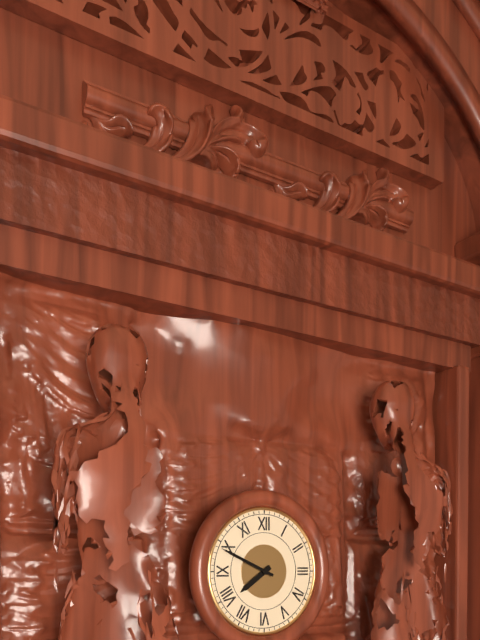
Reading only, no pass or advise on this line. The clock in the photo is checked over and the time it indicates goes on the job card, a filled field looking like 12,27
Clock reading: 7,49
